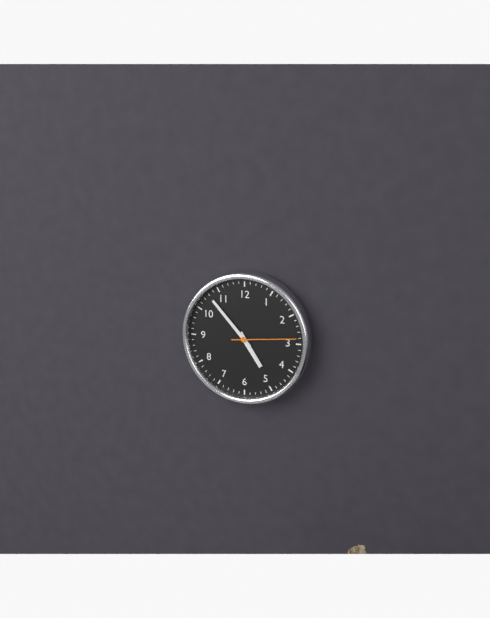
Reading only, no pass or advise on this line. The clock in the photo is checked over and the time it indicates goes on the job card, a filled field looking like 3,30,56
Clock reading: 4,53,14
